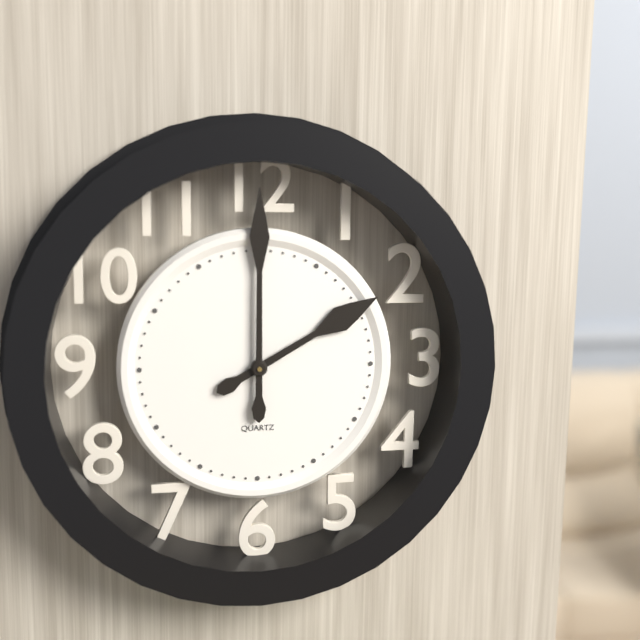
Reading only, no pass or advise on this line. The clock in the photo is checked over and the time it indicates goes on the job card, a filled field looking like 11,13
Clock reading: 2,00
